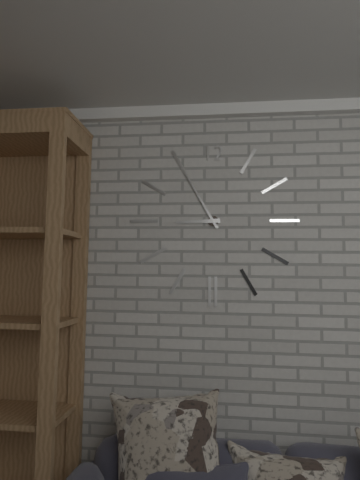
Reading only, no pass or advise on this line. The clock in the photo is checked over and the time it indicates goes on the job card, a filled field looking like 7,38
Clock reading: 8,55
